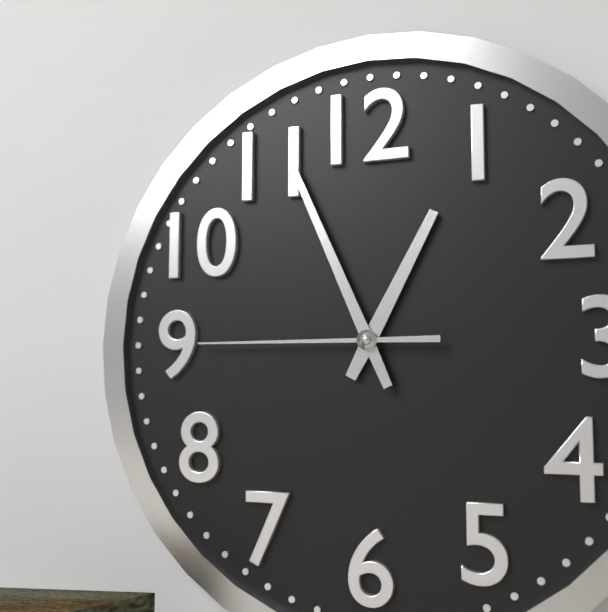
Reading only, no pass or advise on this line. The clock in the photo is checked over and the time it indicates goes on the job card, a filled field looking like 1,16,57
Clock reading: 12,56,45
